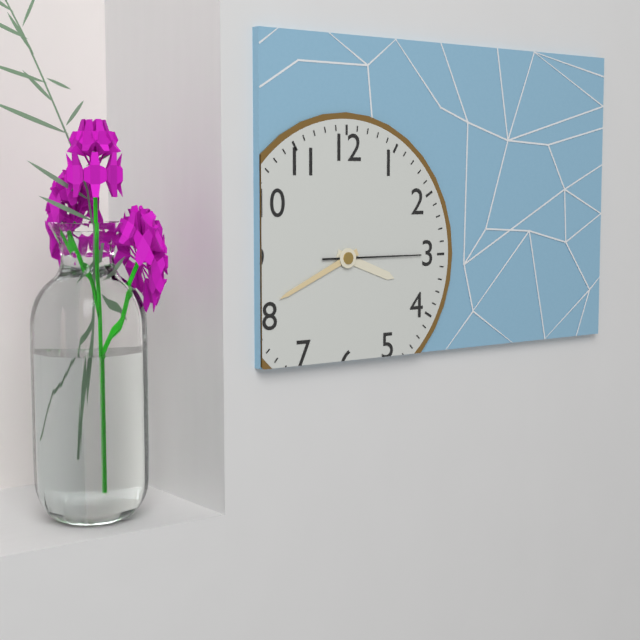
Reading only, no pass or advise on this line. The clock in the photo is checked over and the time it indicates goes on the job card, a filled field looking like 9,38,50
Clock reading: 3,41,15
